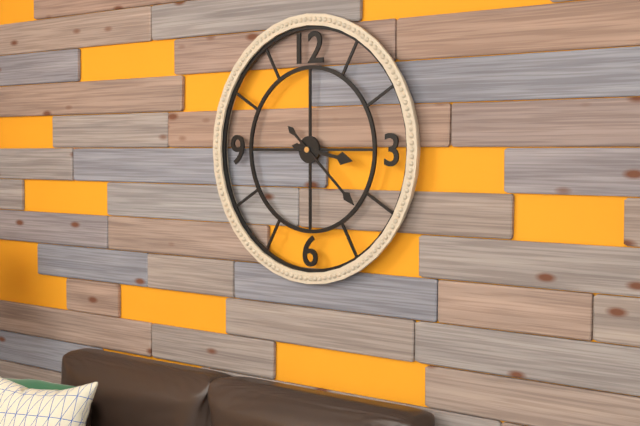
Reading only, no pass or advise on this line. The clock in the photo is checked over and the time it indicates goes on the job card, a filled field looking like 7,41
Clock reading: 3,22
